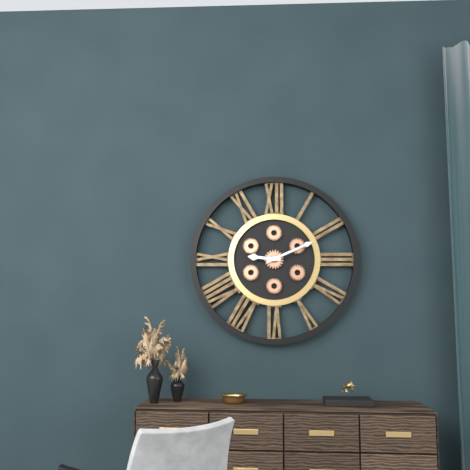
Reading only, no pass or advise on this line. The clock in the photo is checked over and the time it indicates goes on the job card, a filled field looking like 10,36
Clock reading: 9,11
